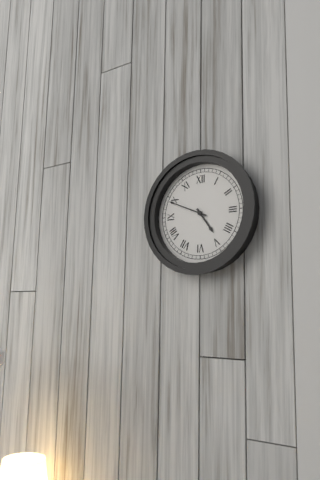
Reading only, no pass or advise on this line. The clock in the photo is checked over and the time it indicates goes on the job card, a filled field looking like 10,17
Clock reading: 4,49
